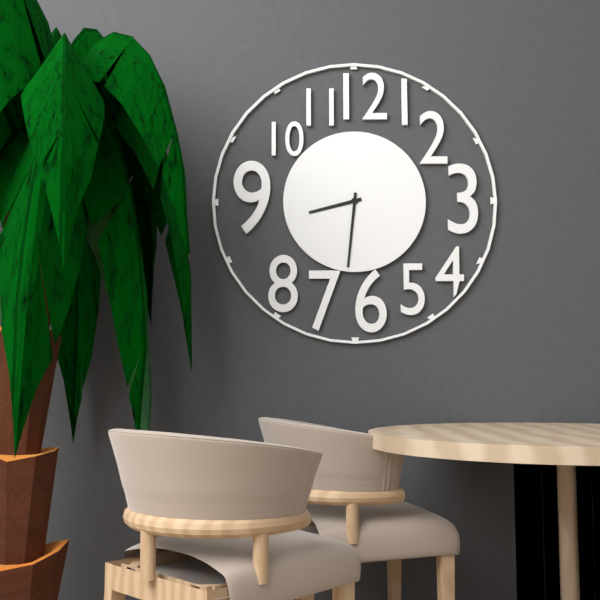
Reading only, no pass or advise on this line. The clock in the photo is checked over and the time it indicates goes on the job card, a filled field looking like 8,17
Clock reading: 8,31
